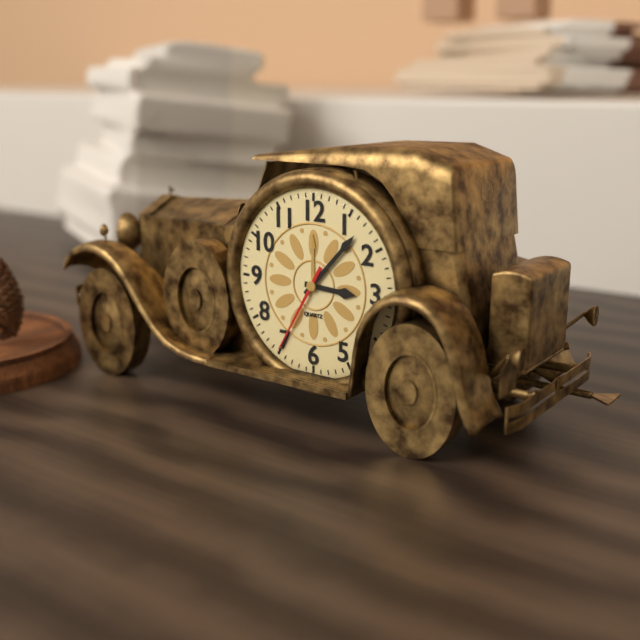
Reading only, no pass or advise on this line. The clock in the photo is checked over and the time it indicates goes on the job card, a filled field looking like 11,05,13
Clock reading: 3,07,35
